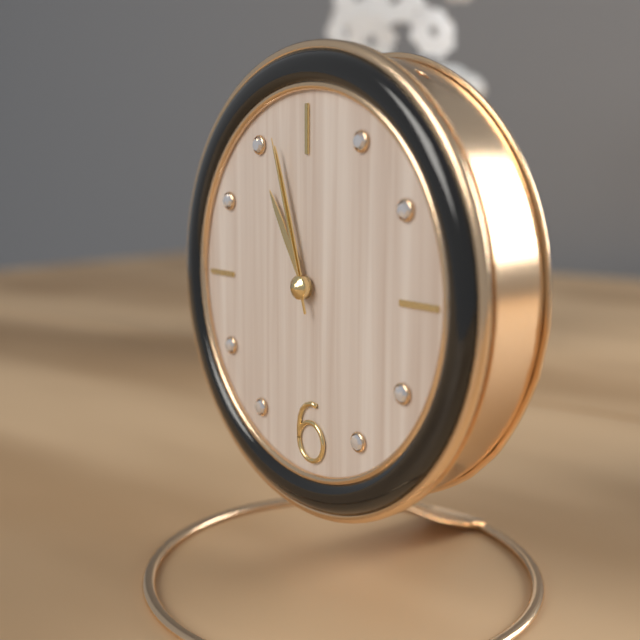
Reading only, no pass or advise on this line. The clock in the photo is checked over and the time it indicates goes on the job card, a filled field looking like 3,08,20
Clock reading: 10,57,57
